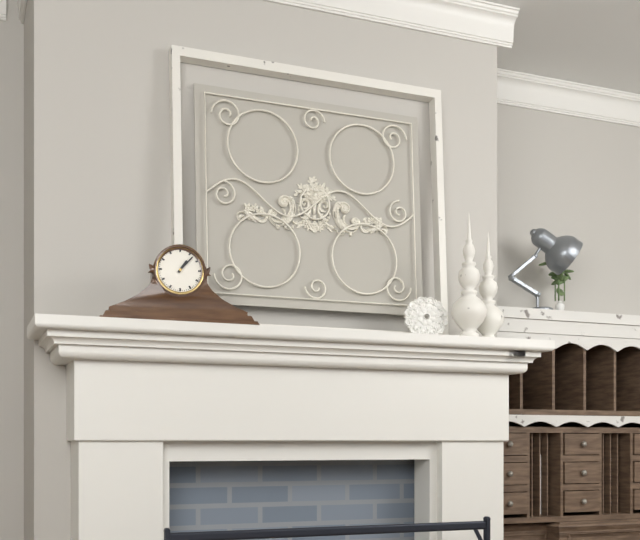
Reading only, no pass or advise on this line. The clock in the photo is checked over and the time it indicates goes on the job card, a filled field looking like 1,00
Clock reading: 1,07
